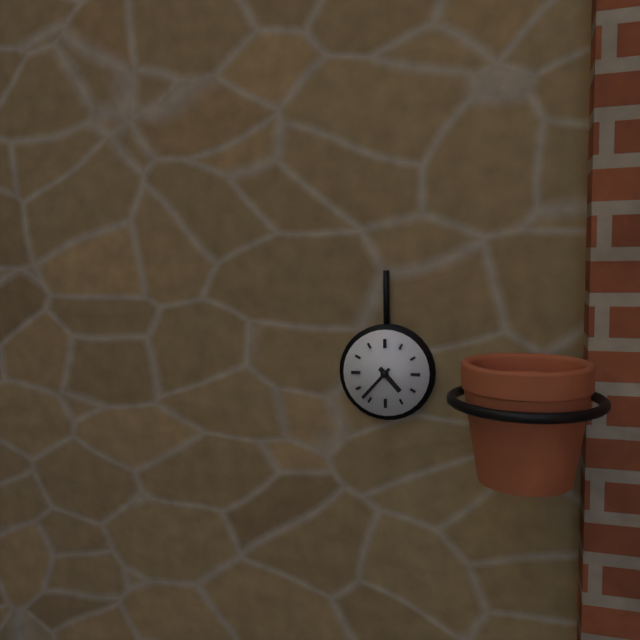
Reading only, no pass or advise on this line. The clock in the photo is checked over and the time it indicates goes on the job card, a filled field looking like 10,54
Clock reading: 4,37
